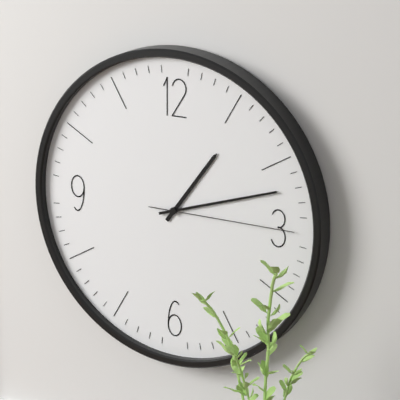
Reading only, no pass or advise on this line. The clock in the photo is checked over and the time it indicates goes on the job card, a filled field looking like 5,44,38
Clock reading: 1,12,15
